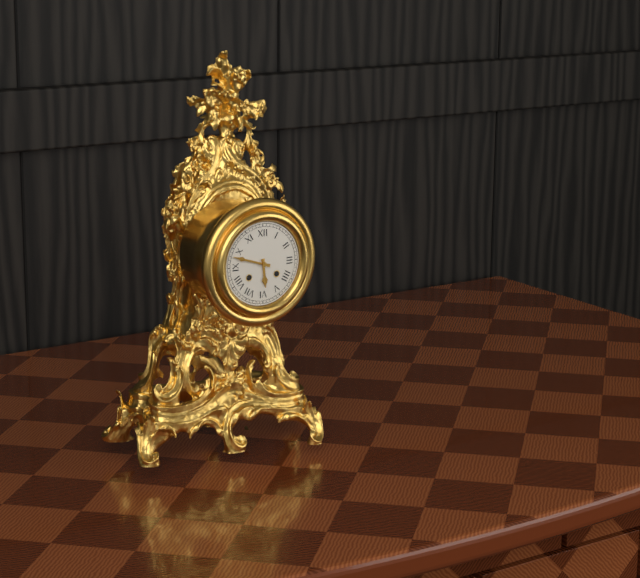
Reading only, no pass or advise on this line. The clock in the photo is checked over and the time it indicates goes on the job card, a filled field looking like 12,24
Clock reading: 5,48
